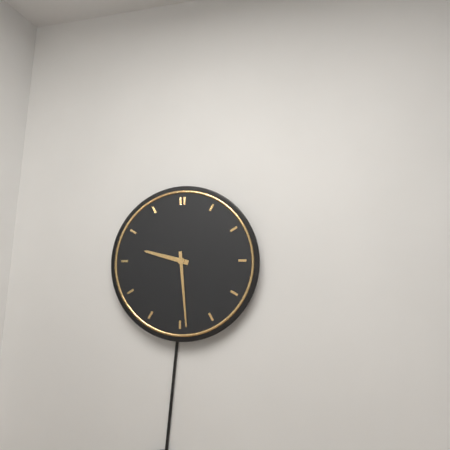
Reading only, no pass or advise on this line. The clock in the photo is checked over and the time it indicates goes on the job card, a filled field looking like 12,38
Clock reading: 9,29
